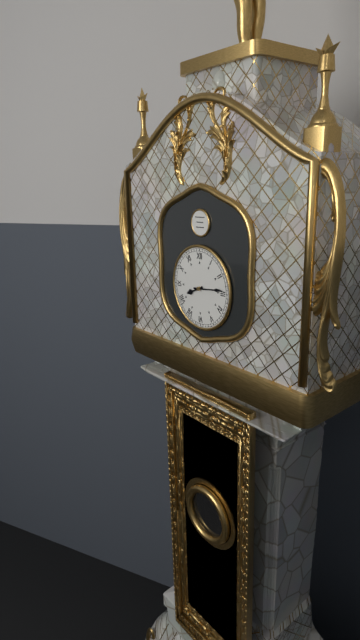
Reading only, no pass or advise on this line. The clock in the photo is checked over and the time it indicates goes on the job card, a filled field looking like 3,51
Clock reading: 8,14
